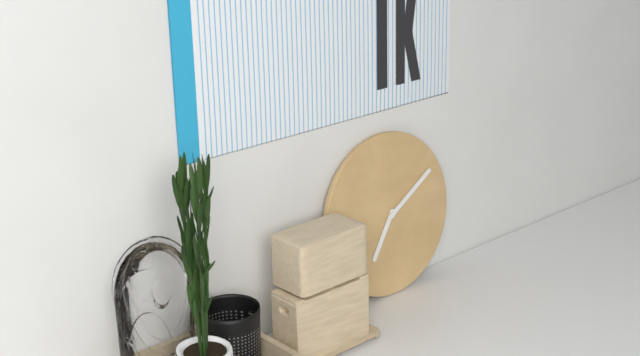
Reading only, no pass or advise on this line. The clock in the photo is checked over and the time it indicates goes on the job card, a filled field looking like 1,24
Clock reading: 7,10
